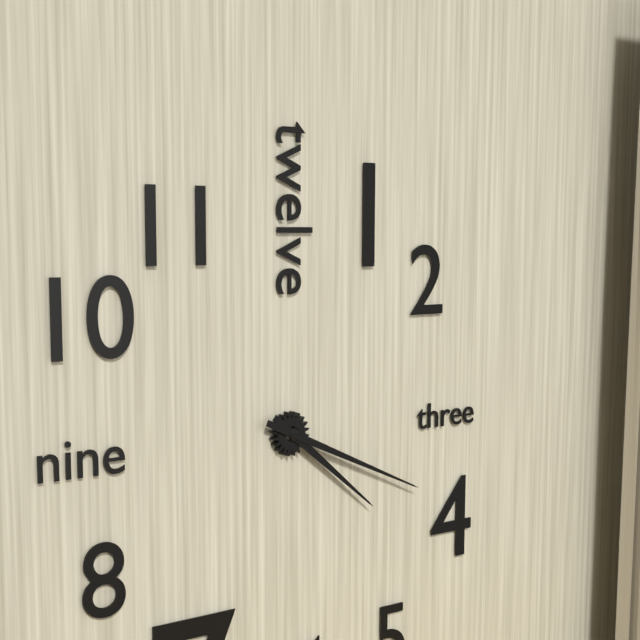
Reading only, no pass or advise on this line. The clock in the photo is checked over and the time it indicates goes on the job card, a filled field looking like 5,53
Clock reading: 4,19
